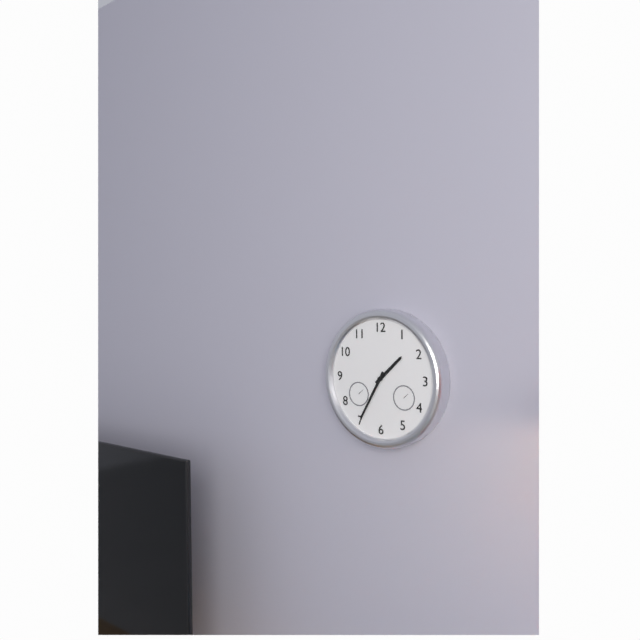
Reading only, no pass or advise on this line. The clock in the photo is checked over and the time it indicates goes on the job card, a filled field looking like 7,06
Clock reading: 1,35
